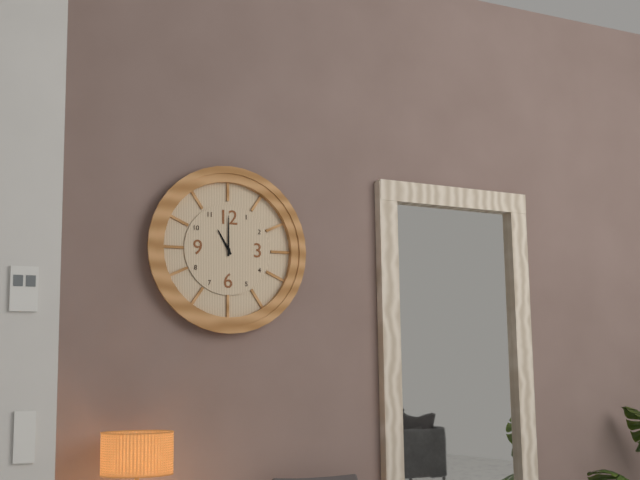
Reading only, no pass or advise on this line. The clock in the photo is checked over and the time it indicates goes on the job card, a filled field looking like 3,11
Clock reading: 11,00
